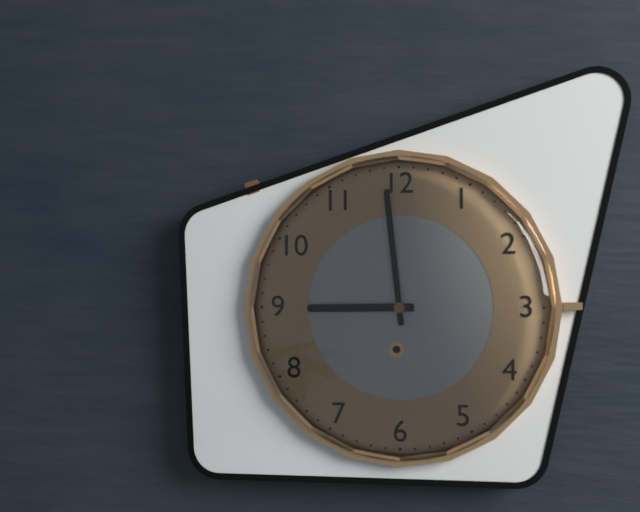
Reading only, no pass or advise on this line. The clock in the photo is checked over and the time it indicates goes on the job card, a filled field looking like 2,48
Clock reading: 8,59
